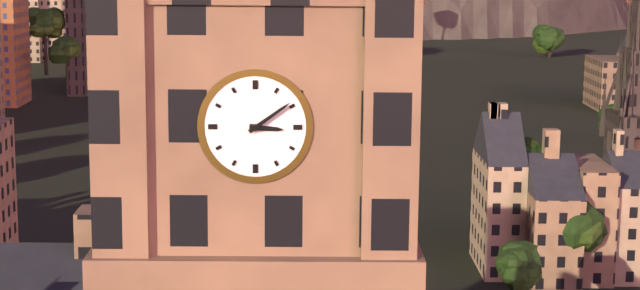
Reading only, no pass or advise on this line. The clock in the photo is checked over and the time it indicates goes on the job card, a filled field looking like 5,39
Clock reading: 3,09
